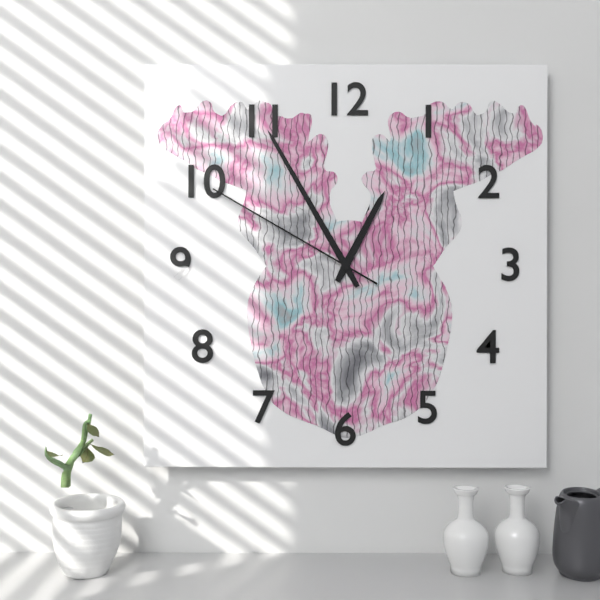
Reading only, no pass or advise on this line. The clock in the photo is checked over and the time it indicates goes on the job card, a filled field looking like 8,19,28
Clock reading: 12,55,50
